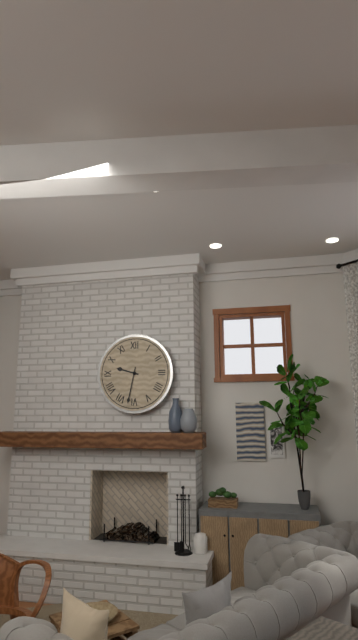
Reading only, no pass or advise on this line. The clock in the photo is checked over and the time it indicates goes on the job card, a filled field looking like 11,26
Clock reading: 9,32
